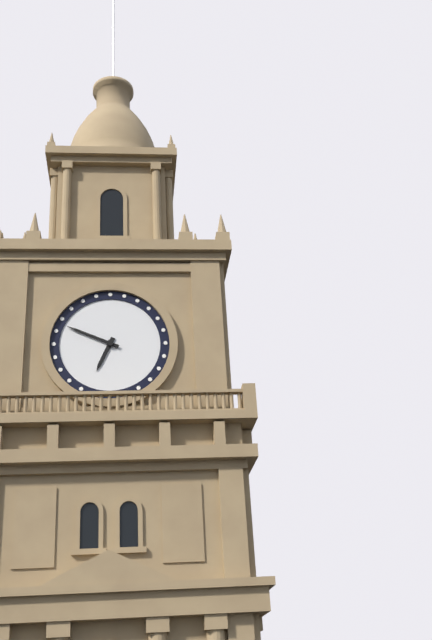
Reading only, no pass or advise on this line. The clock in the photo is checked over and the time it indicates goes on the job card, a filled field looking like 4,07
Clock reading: 6,49
